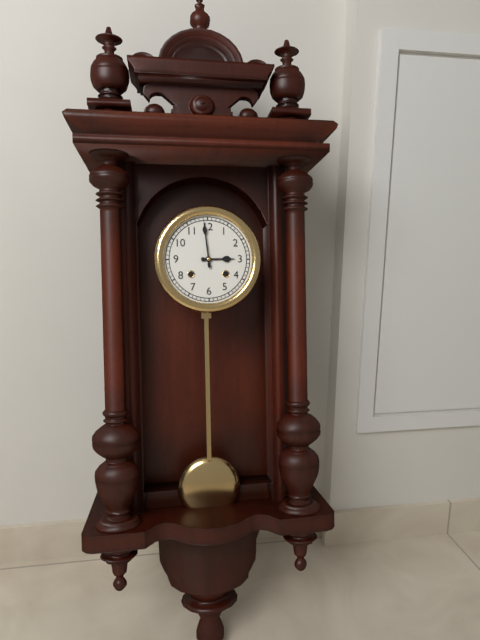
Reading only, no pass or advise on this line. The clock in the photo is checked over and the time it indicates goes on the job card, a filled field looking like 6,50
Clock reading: 2,59
